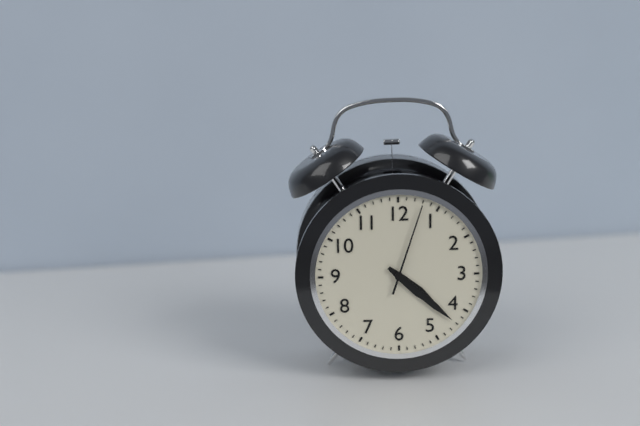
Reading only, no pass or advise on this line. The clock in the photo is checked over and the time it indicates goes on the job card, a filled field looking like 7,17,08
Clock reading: 4,22,03
